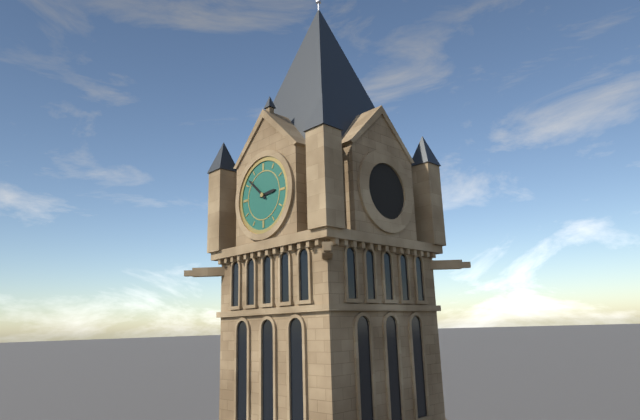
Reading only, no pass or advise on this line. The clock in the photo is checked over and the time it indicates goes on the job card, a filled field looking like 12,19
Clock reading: 2,52
